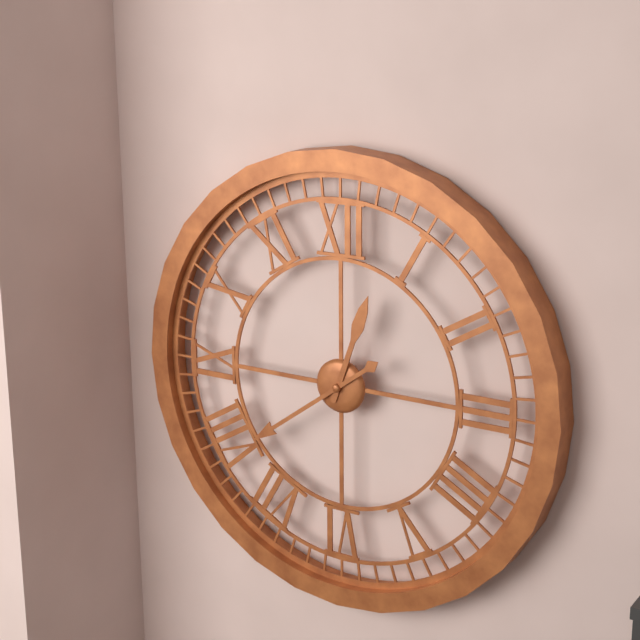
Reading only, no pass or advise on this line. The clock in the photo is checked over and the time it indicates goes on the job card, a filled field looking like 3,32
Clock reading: 12,39
